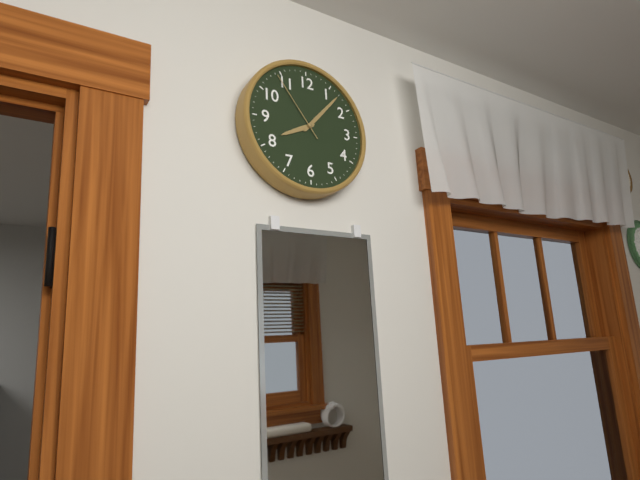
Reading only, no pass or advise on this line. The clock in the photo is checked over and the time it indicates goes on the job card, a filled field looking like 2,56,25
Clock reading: 8,07,54
